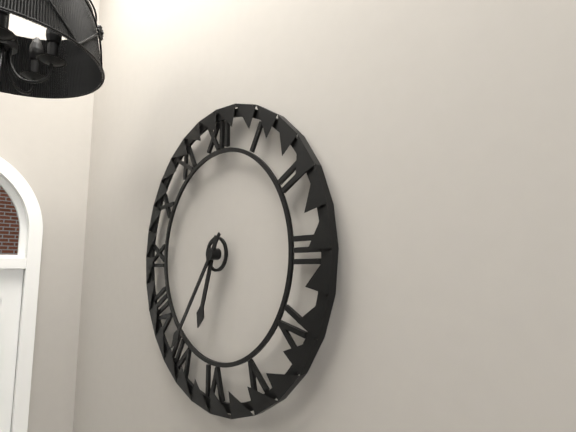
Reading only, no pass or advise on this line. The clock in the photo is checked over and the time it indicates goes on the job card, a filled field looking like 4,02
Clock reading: 6,36
